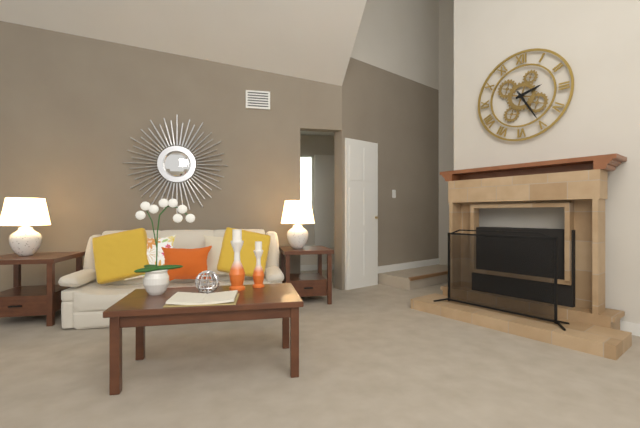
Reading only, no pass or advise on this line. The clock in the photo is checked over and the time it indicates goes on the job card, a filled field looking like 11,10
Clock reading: 2,25
